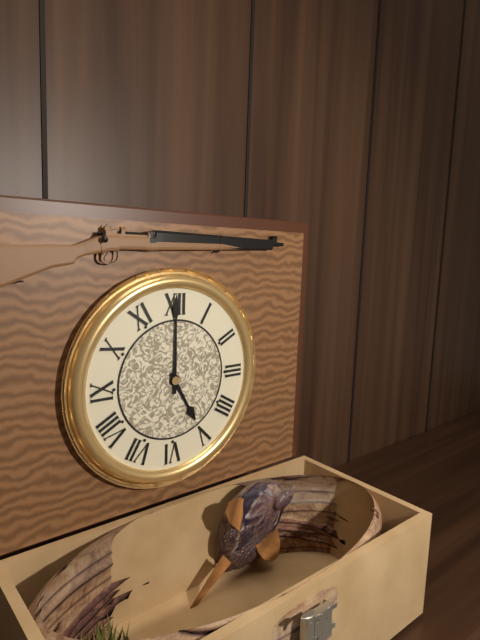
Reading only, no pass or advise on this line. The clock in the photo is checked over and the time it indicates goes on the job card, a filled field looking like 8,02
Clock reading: 5,00
